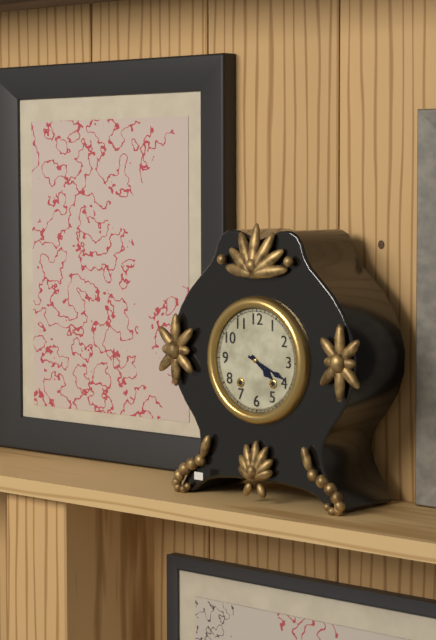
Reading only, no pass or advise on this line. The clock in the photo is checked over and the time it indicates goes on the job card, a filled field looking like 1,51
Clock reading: 4,19
